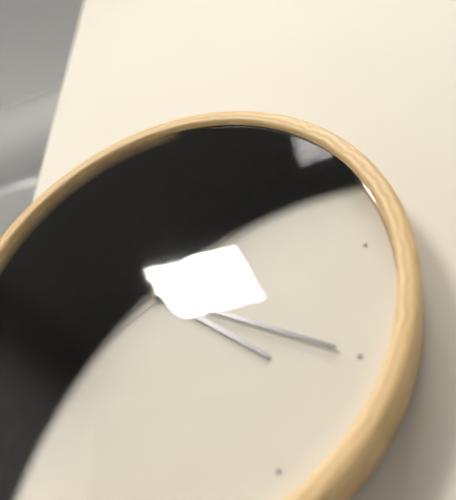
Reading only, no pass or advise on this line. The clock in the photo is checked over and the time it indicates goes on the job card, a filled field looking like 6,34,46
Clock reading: 4,20,10
